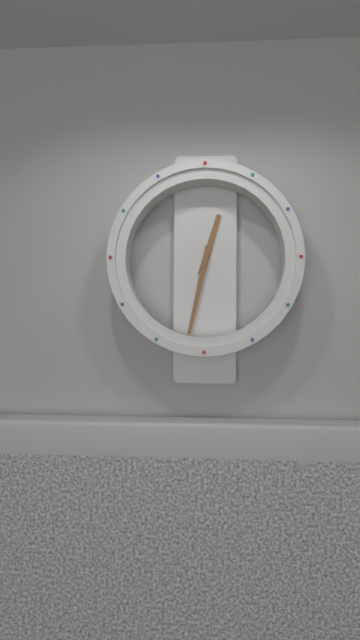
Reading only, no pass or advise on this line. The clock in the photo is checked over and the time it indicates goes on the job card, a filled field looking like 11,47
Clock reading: 12,32
